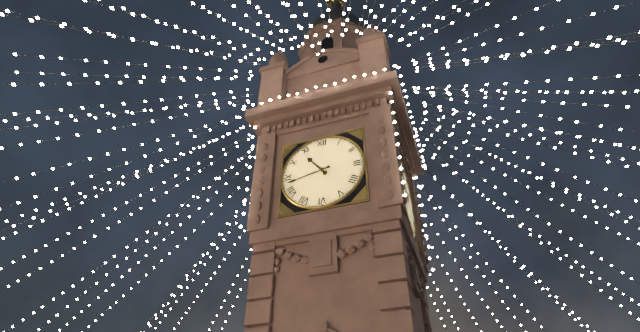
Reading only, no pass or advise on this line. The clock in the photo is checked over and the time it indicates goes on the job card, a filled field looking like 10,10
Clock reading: 10,43
